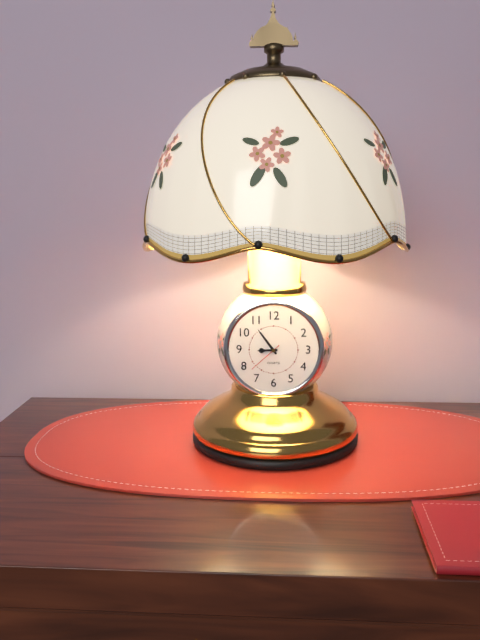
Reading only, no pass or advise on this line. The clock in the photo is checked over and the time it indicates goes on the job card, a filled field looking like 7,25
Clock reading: 8,54
